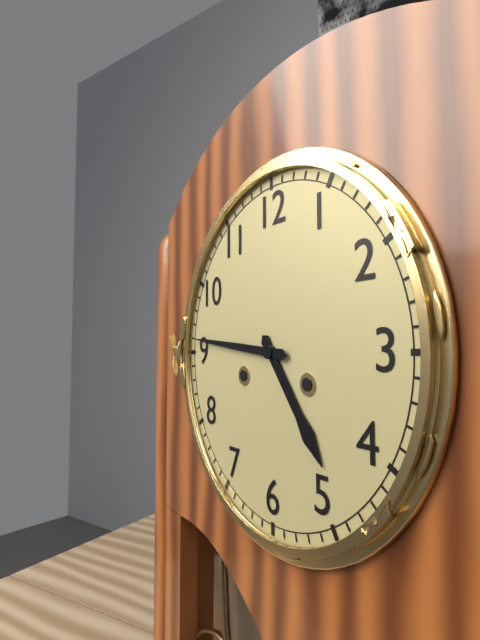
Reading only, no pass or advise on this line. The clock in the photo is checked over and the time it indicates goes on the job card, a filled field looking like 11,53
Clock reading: 4,46
